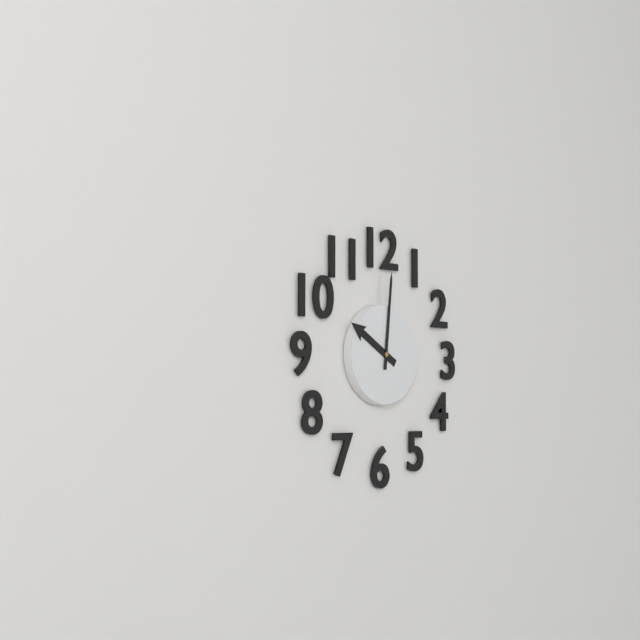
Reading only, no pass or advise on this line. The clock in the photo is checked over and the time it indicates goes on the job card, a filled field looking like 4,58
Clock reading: 10,01
